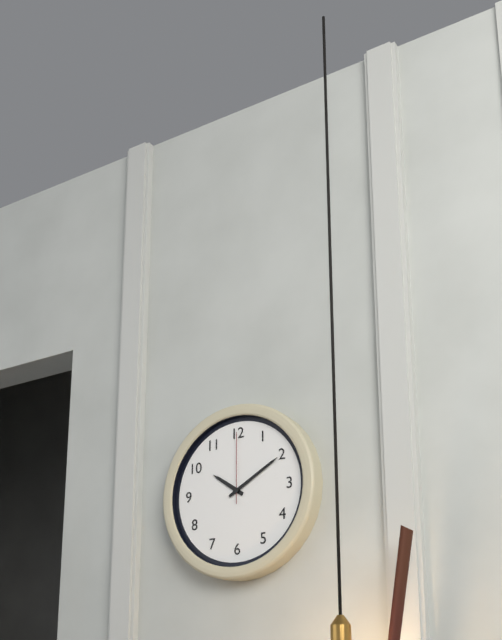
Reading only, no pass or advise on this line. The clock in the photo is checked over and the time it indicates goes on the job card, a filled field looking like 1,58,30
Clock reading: 10,10,00
